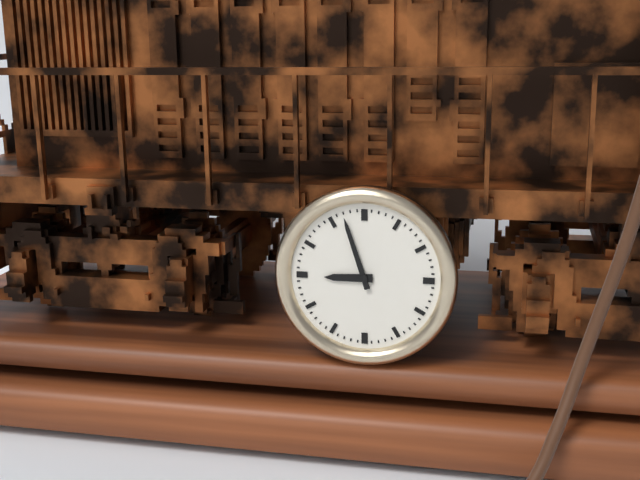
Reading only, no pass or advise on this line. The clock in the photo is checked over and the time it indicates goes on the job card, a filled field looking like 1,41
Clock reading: 8,57
